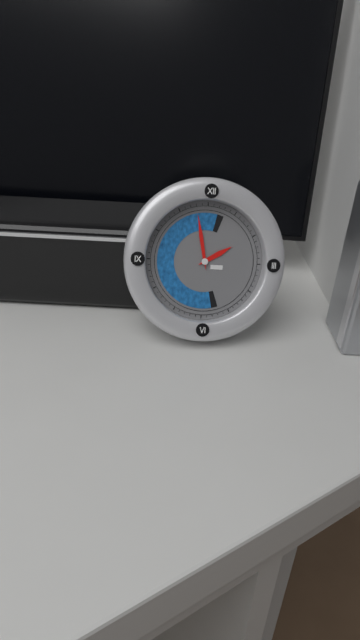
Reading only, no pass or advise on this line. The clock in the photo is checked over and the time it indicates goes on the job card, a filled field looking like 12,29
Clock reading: 1,58
